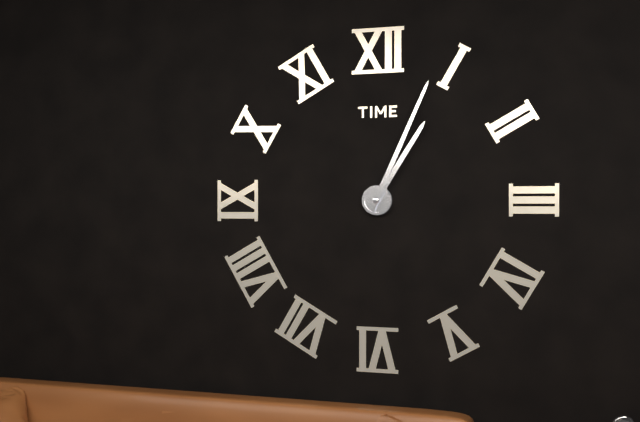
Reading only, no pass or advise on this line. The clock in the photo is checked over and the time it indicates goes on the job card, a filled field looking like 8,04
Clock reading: 1,04
